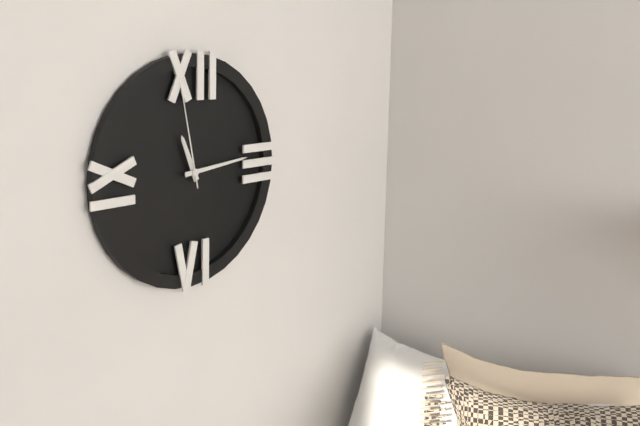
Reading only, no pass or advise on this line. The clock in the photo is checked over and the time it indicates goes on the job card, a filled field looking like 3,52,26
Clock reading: 11,14,58
